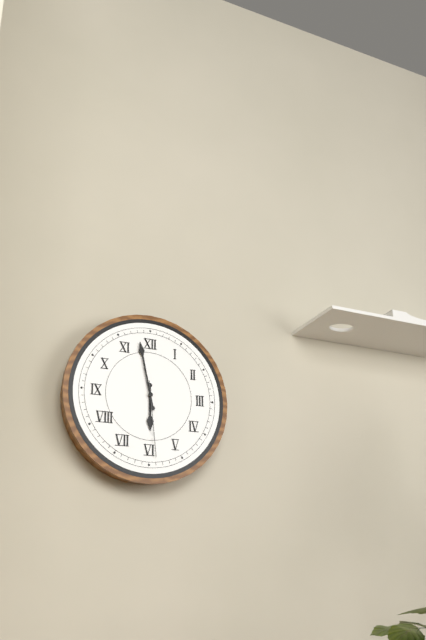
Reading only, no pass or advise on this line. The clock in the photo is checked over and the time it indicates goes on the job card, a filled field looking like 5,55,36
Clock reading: 5,58,29
